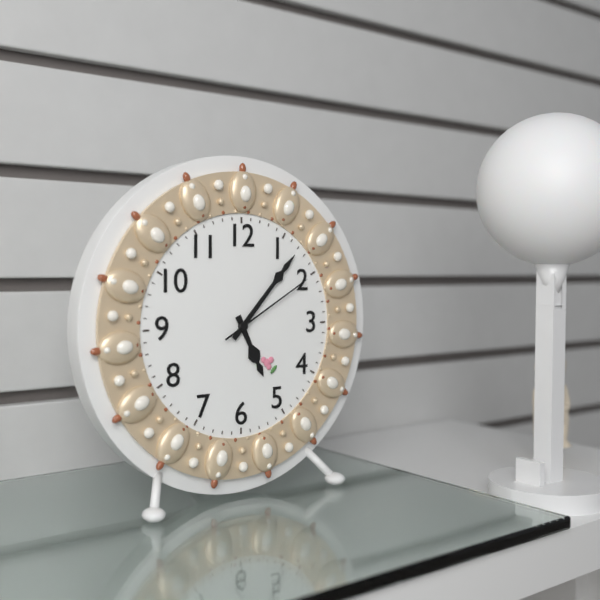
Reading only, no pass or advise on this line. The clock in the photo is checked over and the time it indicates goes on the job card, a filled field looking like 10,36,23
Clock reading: 5,07,10
